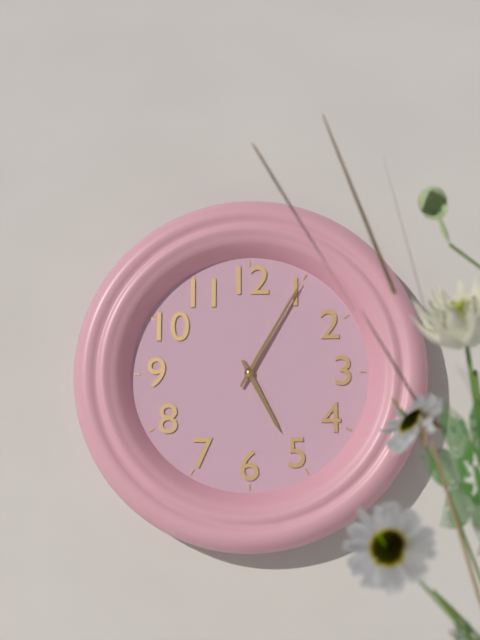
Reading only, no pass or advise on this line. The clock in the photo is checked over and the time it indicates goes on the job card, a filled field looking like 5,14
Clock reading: 5,05
